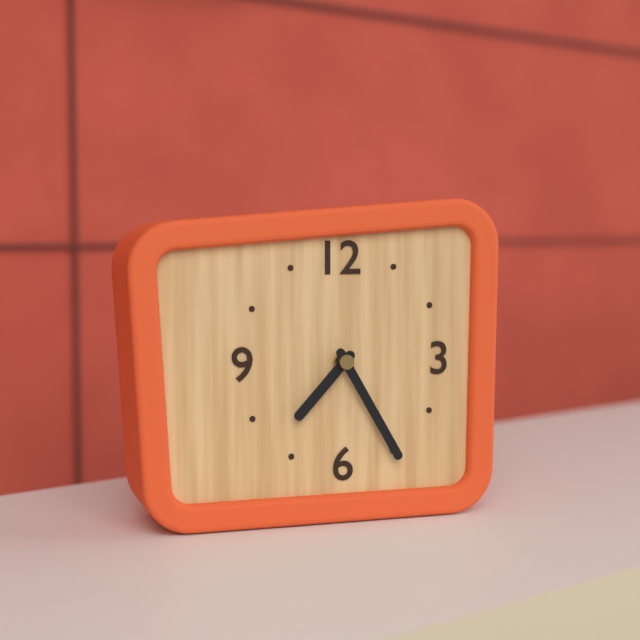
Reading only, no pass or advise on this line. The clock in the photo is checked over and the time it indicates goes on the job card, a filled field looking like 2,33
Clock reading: 7,25
